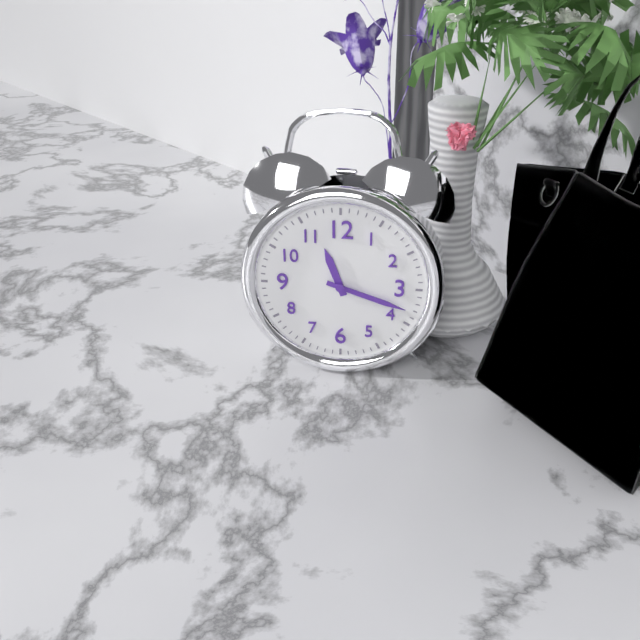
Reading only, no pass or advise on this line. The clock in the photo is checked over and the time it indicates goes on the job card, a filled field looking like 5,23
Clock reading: 11,18
